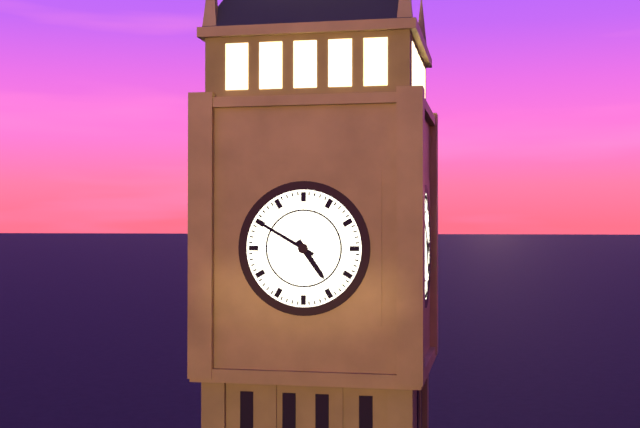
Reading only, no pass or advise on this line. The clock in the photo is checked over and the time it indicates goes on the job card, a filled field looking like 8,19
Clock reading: 4,50
